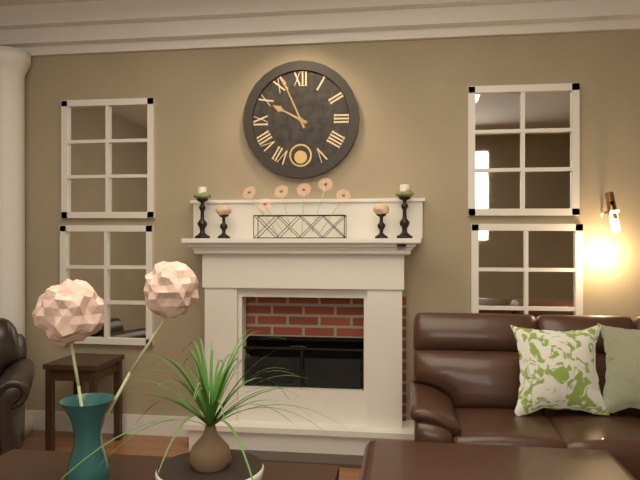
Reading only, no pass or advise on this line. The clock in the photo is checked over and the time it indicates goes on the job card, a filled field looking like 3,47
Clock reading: 9,56
